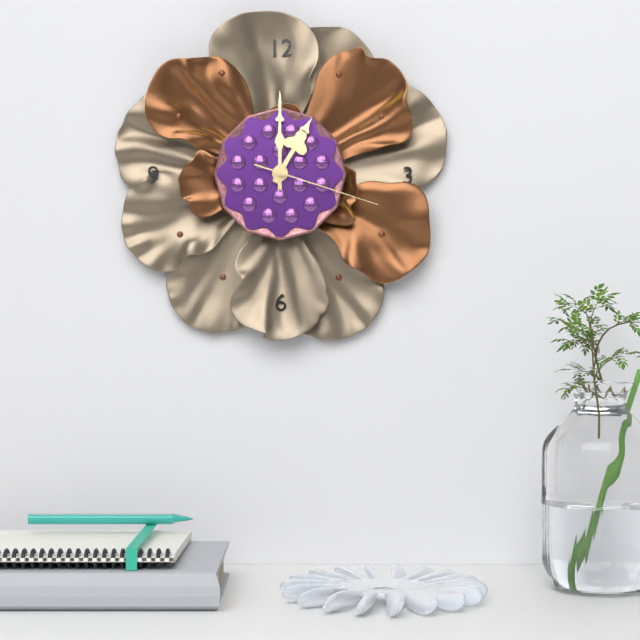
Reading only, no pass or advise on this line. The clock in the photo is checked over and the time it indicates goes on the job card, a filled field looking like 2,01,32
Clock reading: 1,00,18
